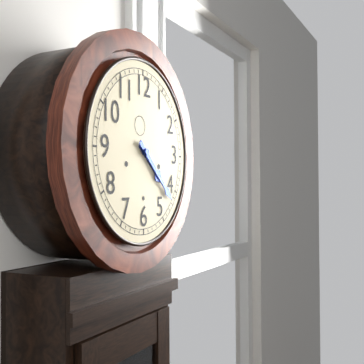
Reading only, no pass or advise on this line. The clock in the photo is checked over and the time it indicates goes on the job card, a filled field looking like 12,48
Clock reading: 4,22
